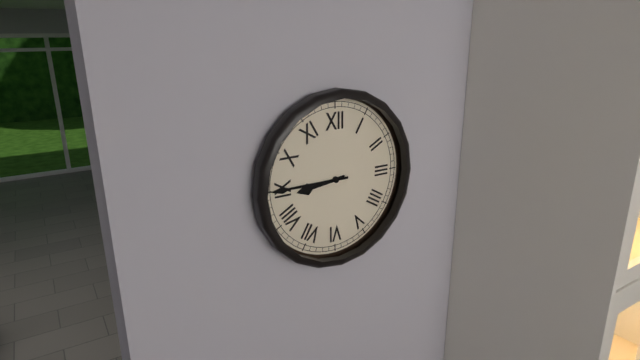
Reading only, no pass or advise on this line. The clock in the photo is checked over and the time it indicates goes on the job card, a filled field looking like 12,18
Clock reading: 8,45
